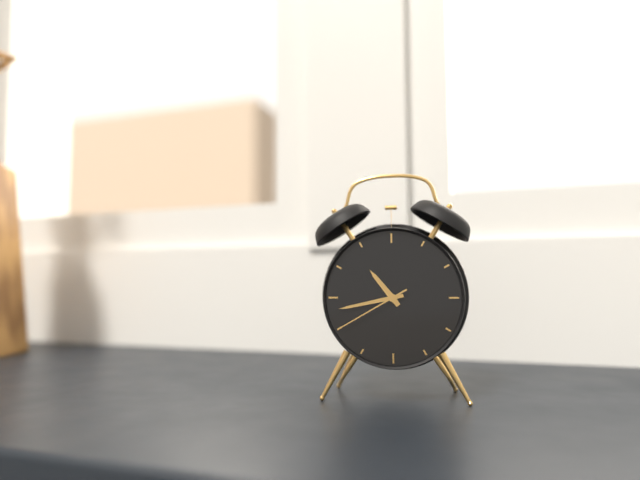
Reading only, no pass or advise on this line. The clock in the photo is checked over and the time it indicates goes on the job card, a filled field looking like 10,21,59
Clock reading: 10,43,40
